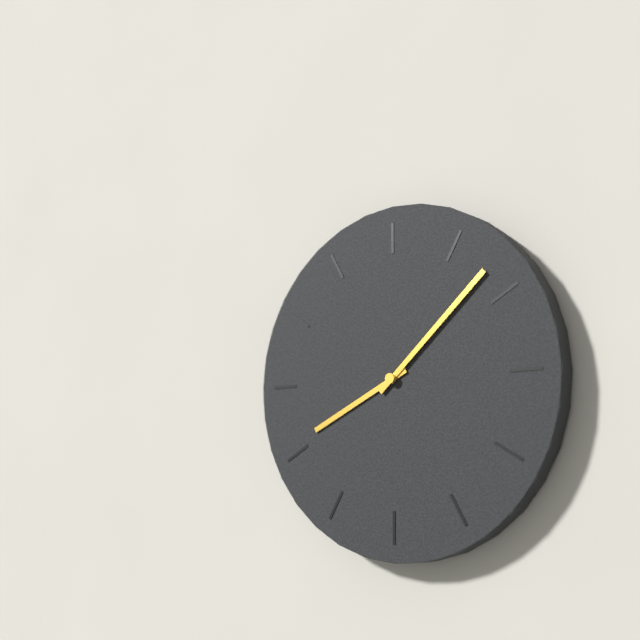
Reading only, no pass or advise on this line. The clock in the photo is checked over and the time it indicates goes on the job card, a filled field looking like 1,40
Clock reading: 8,08
